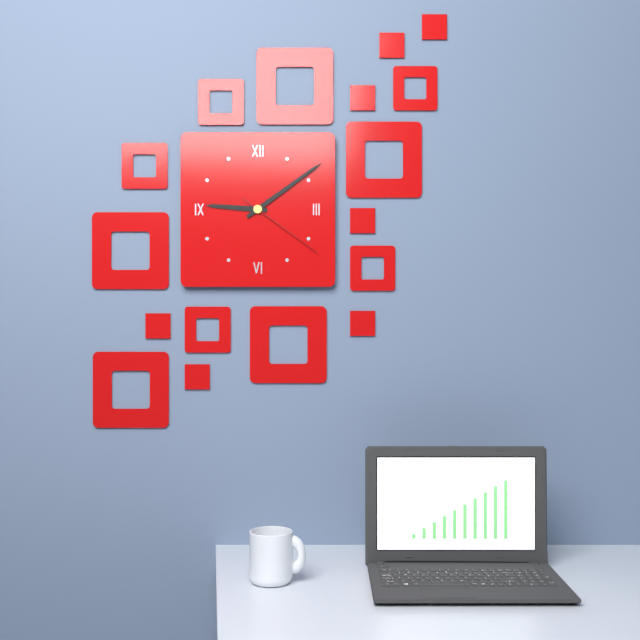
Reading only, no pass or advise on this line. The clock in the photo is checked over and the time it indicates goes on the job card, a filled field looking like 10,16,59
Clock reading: 9,09,21
